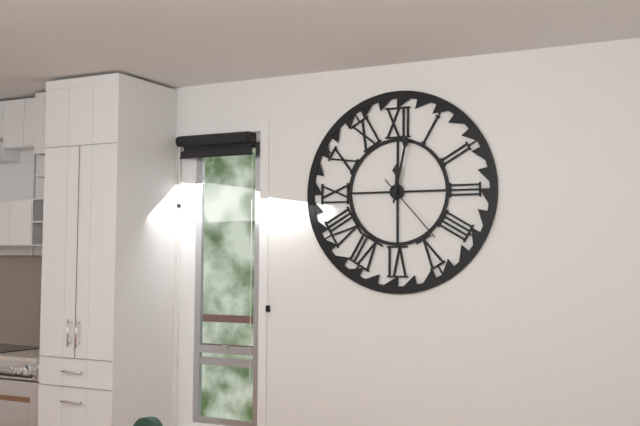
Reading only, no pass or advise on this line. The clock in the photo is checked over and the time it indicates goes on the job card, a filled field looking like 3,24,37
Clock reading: 12,02,23
